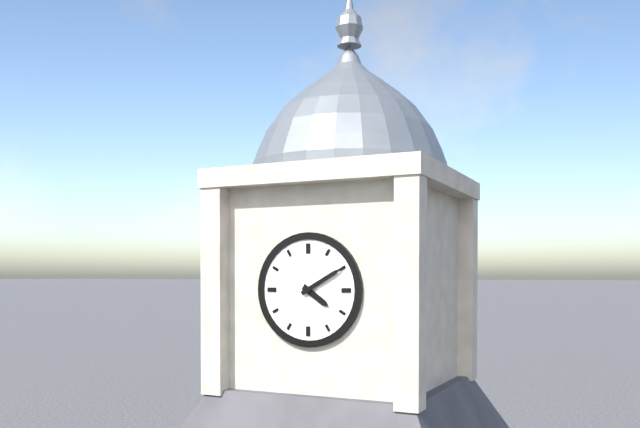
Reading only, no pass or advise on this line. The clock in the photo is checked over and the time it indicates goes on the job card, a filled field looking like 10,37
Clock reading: 4,10
